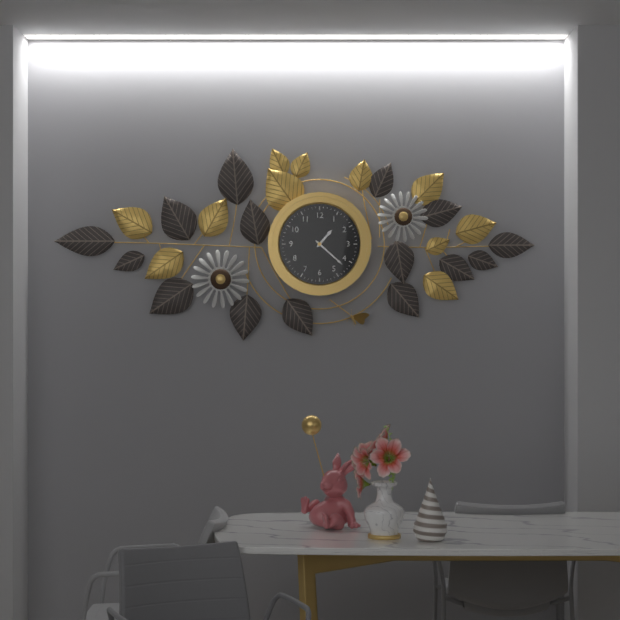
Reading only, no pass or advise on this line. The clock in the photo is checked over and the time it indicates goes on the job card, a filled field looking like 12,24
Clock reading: 1,22
